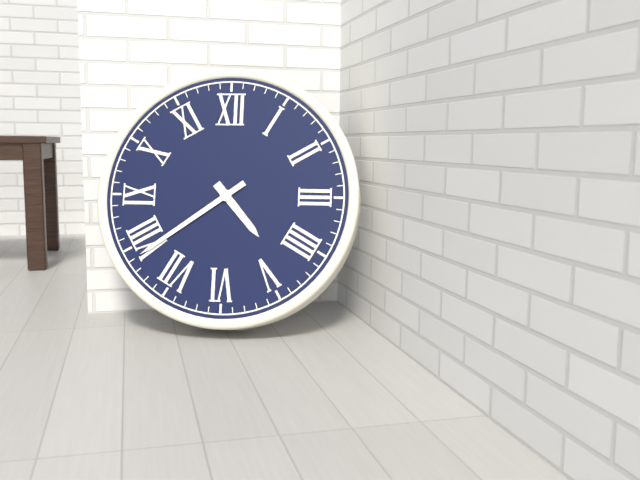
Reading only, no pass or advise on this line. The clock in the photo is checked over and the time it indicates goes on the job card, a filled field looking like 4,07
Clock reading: 4,39
